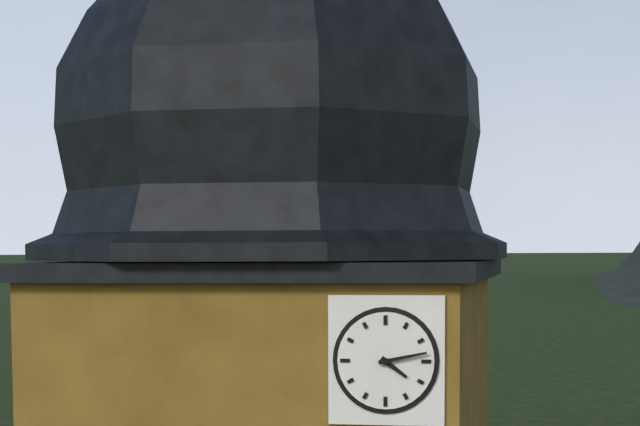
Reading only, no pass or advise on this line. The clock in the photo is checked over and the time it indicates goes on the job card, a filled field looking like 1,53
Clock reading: 4,13
